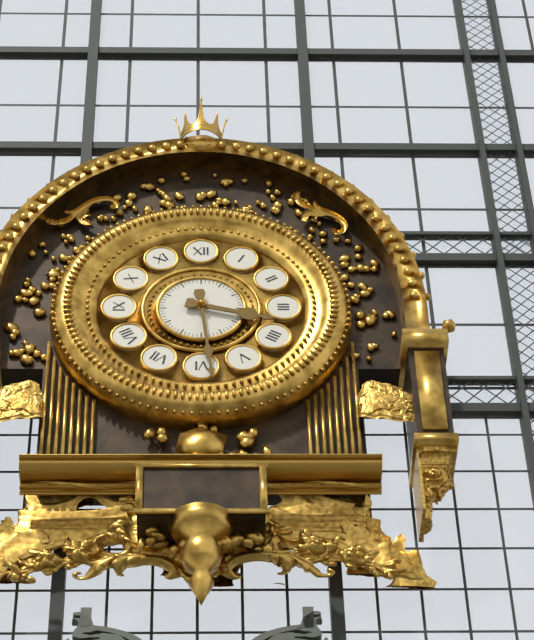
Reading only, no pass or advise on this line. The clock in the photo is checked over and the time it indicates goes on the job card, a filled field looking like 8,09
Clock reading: 3,29
